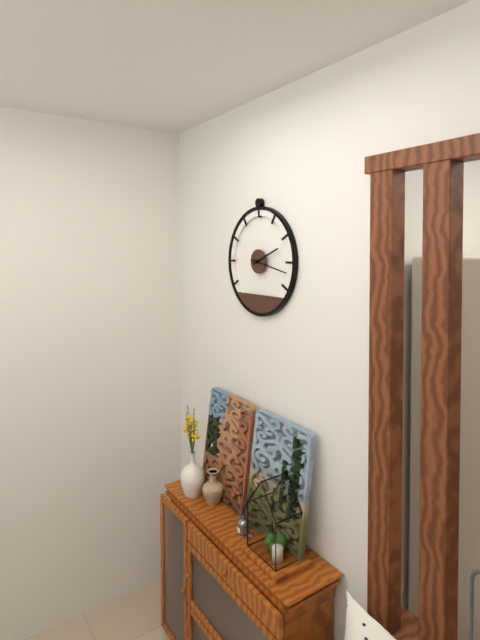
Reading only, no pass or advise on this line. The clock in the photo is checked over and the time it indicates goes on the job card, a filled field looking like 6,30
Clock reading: 2,17
